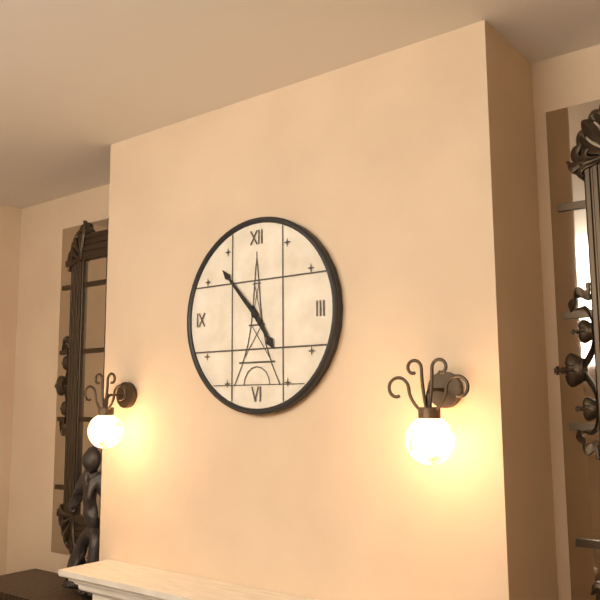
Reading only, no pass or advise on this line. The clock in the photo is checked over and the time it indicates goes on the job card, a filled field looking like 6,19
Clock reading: 4,53
